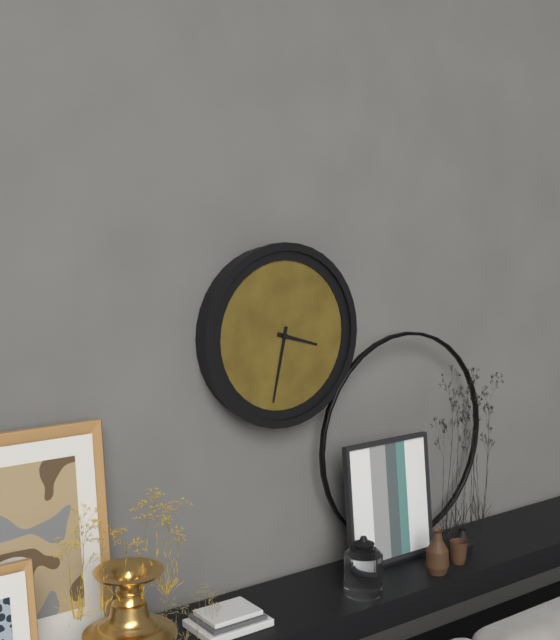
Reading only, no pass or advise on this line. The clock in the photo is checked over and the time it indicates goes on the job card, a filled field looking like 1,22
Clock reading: 3,32
